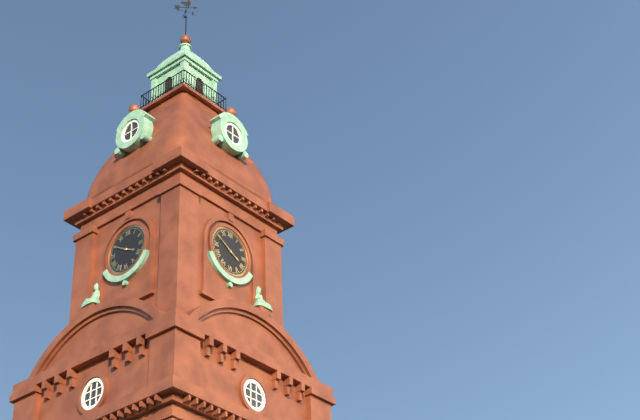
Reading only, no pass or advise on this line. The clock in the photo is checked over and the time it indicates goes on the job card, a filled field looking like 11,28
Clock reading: 3,50
